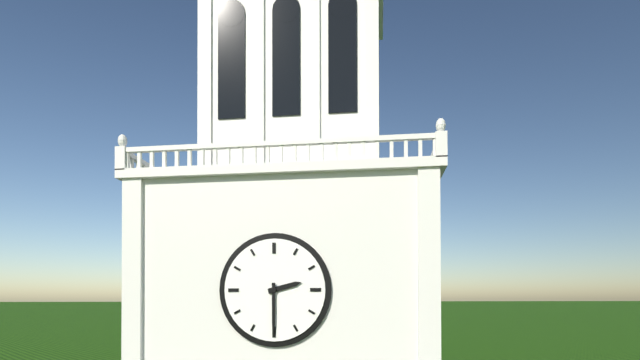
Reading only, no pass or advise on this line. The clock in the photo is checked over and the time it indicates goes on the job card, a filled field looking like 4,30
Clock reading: 2,30
